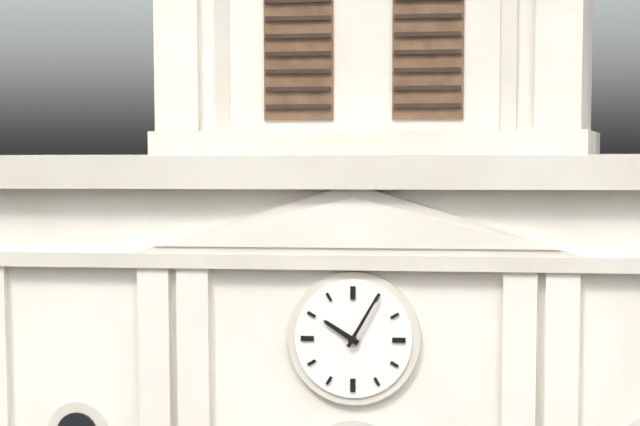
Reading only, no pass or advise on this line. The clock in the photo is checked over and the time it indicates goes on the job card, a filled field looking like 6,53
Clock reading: 10,05
